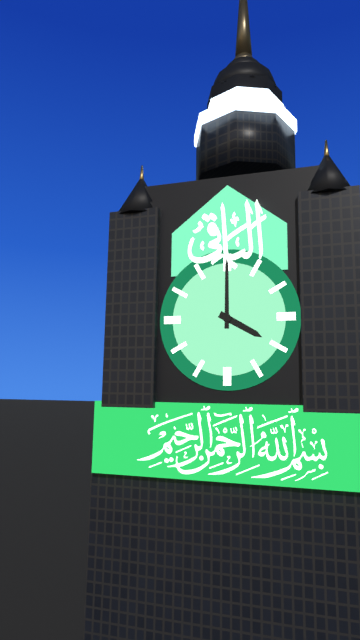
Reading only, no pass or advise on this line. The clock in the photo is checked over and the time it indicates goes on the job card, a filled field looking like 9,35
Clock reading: 4,00
